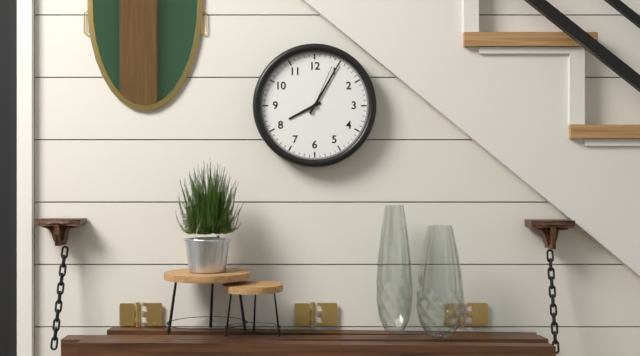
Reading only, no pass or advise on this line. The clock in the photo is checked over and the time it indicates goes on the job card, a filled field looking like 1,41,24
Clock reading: 8,05,04
